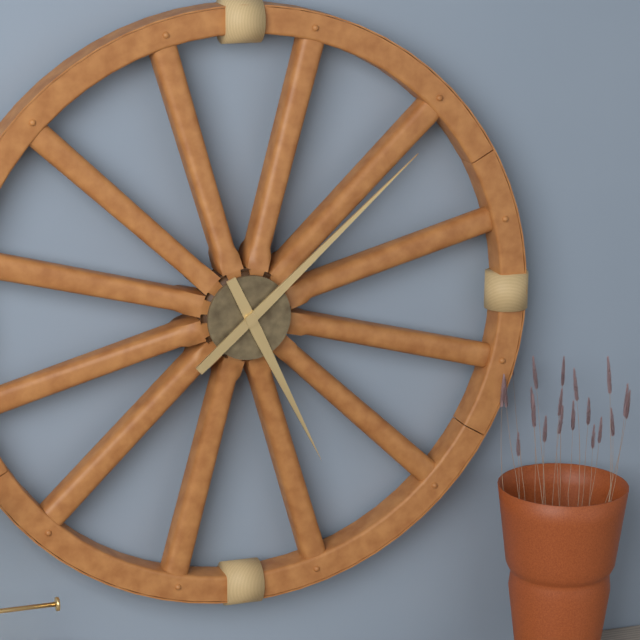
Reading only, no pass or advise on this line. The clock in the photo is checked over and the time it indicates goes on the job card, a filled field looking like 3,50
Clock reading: 5,08
